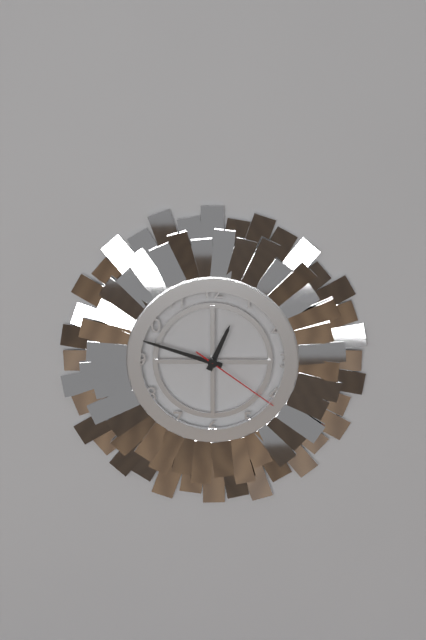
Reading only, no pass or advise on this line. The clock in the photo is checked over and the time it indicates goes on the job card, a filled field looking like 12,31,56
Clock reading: 12,48,21
